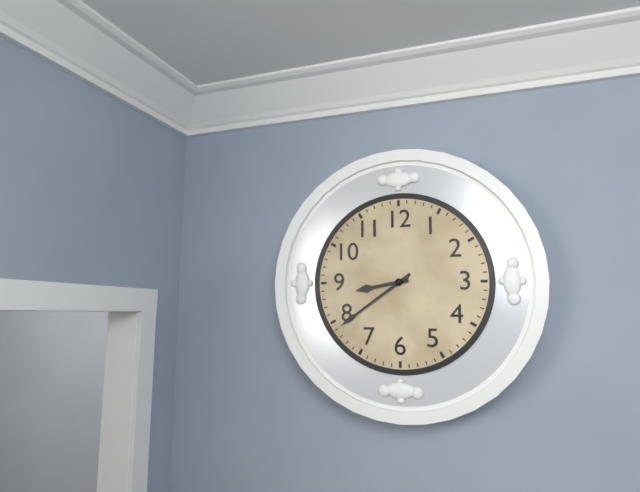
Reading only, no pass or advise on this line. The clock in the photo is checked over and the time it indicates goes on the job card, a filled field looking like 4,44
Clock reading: 8,39
